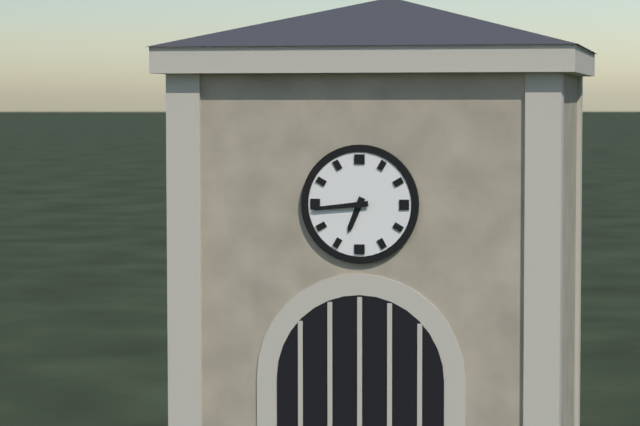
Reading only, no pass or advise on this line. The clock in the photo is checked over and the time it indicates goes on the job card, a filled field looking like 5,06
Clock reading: 6,44
